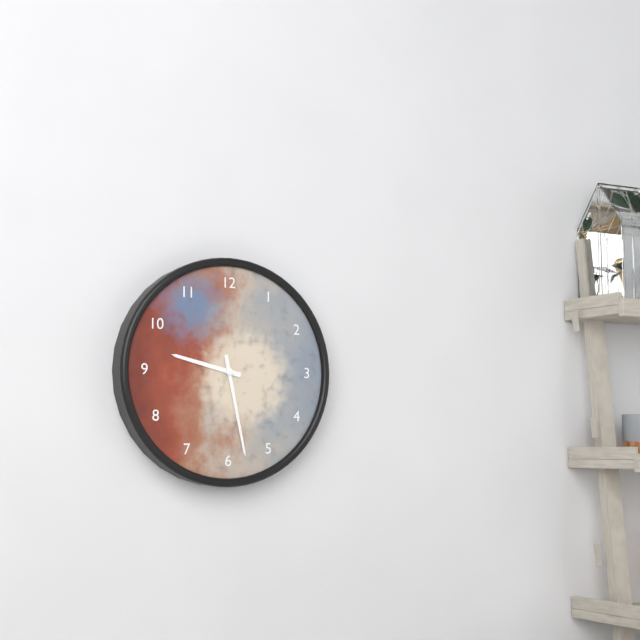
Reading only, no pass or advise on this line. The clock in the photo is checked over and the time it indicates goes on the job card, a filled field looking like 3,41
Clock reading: 9,28
